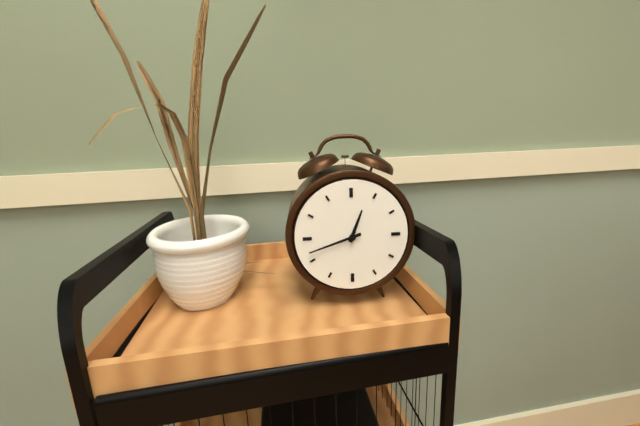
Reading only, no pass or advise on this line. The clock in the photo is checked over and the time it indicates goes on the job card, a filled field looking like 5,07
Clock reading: 12,42
